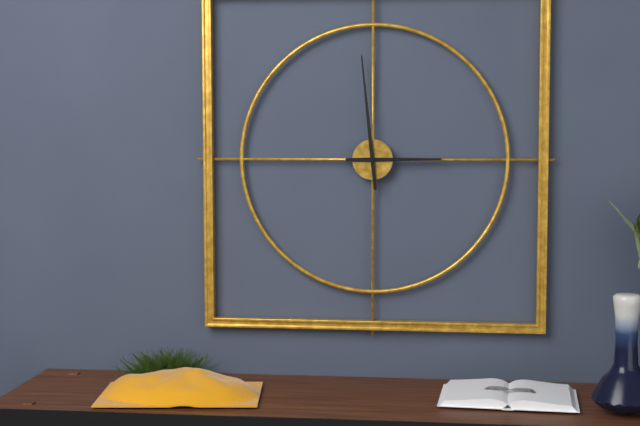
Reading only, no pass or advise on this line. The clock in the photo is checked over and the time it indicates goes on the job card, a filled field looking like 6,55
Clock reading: 2,59
